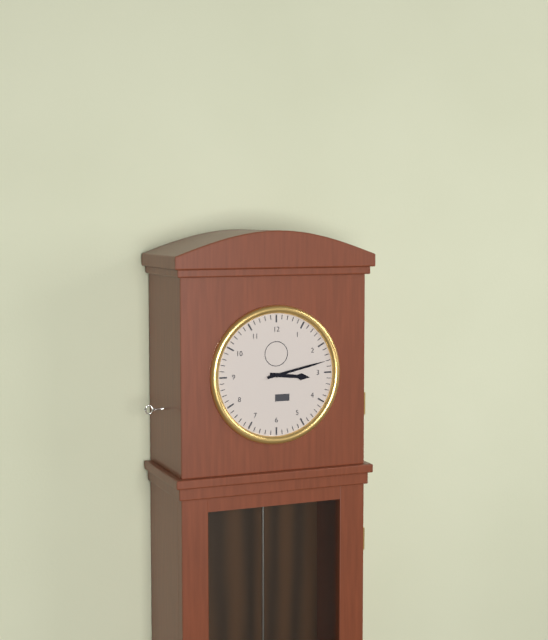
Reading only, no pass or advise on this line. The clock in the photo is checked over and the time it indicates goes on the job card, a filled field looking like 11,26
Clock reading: 3,13
